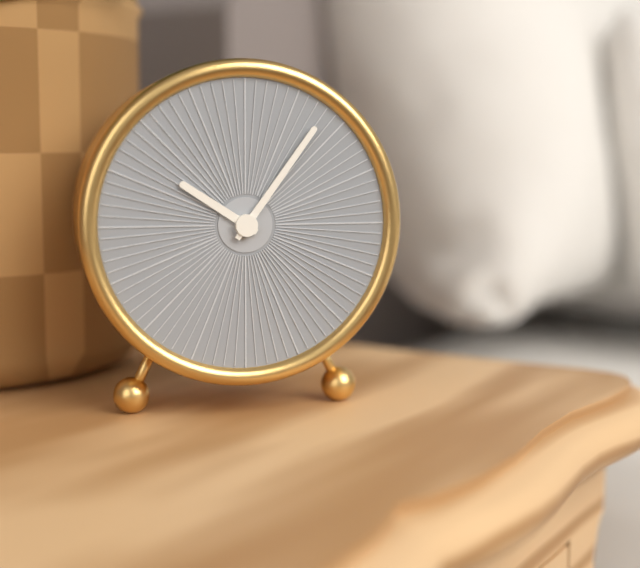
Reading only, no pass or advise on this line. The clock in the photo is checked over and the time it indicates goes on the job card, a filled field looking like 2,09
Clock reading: 10,06
